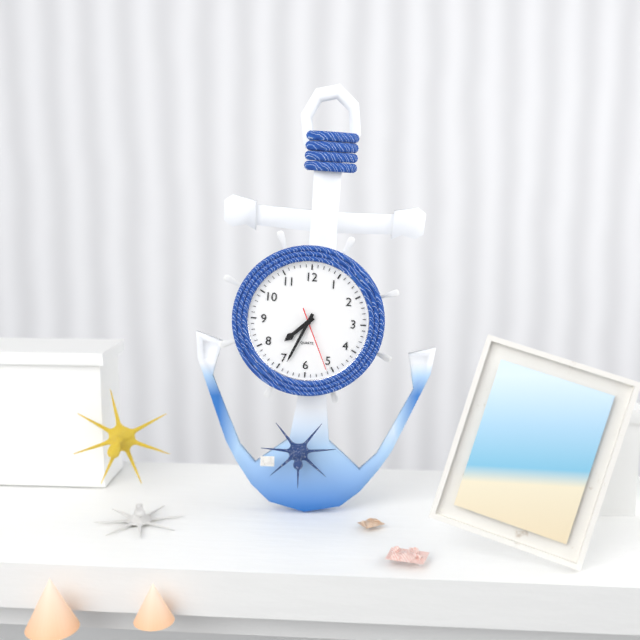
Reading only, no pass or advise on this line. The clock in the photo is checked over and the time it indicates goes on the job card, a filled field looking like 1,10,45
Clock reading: 7,34,26
